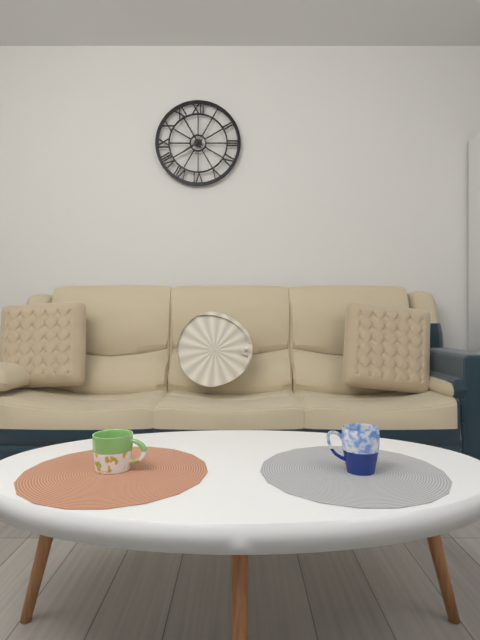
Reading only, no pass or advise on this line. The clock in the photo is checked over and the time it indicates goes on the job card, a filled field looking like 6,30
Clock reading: 7,55
